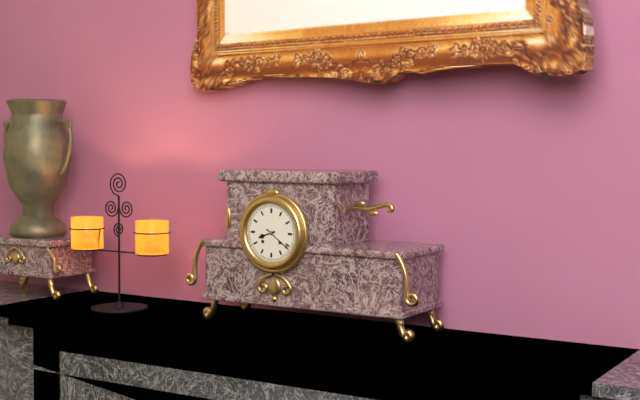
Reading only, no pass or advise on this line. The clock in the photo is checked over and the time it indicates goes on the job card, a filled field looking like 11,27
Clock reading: 8,21
